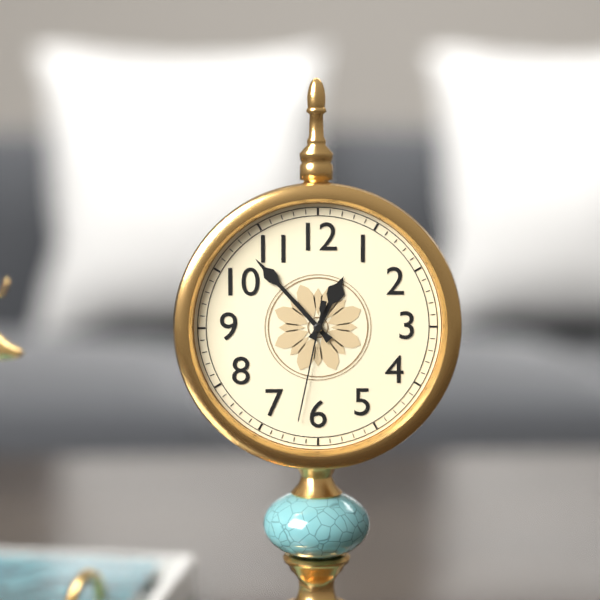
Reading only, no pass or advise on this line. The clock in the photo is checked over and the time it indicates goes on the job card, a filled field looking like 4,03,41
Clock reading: 12,53,32
